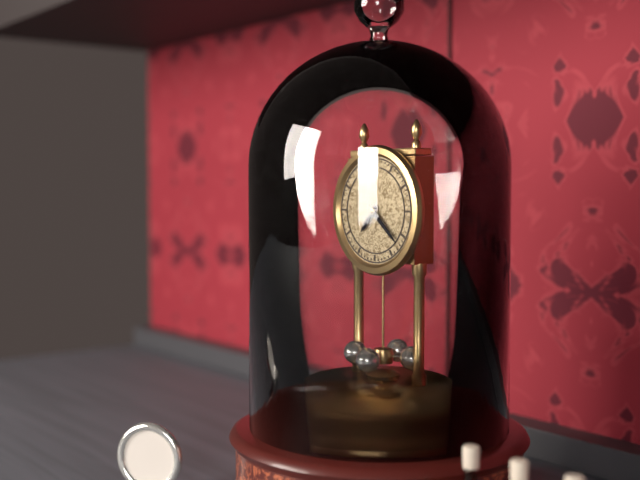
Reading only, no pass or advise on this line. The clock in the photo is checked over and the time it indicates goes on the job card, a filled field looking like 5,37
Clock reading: 7,22
